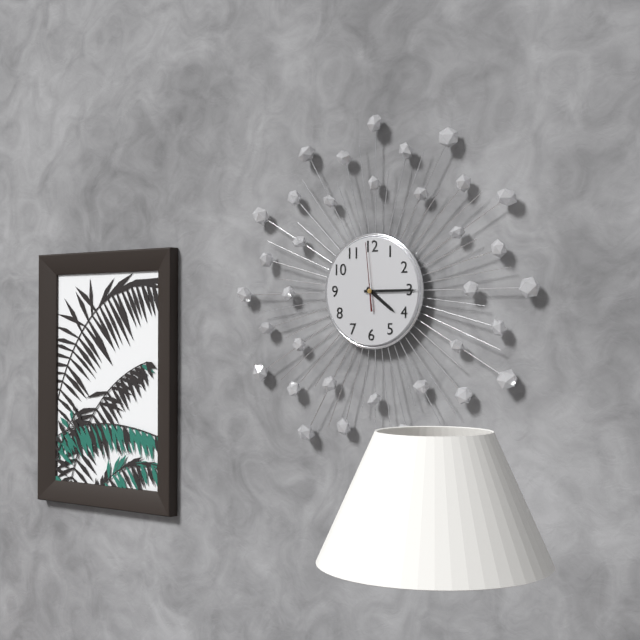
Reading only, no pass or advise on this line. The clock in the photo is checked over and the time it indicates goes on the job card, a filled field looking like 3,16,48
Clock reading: 4,15,59
